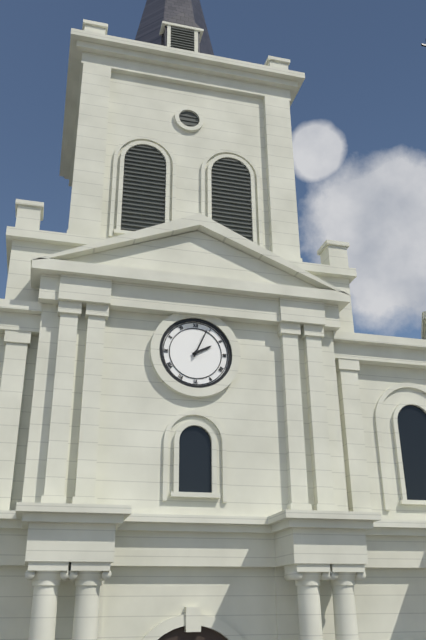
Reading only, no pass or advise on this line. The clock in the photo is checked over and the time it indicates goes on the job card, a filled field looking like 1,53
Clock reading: 2,04
